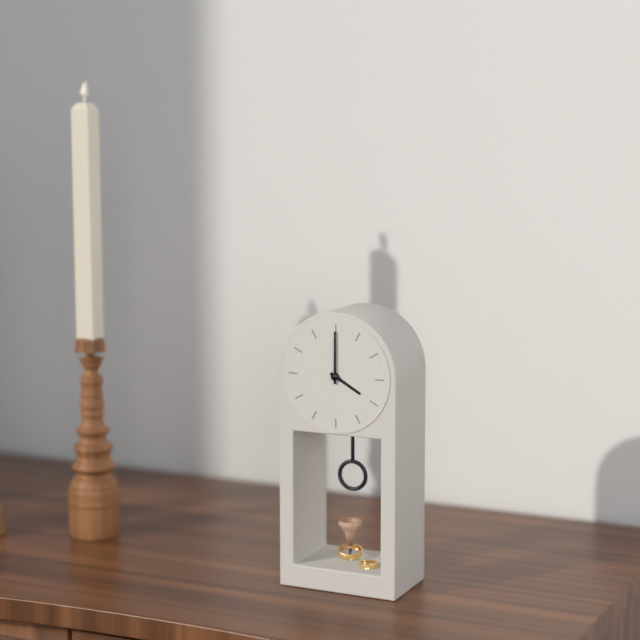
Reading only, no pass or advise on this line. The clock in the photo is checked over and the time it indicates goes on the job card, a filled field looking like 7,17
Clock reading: 4,00
